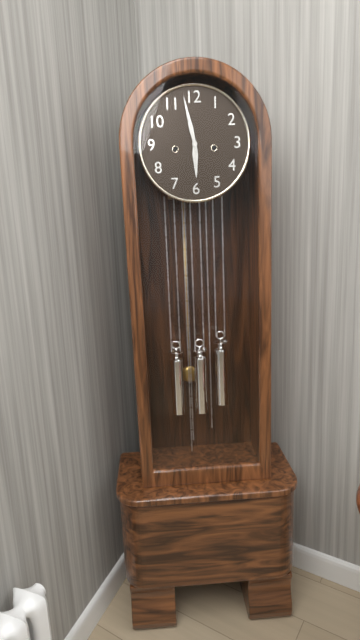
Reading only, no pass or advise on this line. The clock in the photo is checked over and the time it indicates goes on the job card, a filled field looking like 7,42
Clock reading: 5,58
